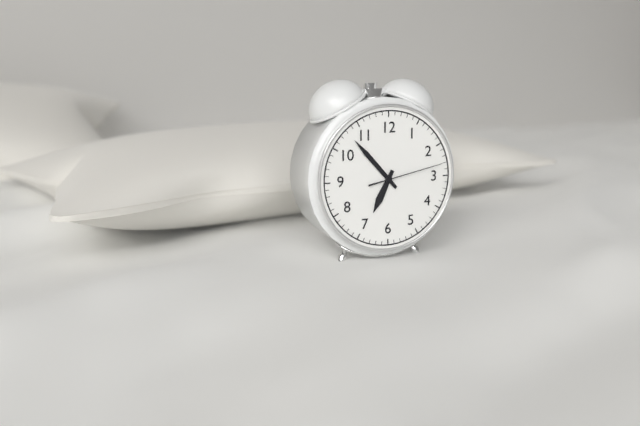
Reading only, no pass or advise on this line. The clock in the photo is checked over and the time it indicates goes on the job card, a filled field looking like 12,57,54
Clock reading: 6,53,13
